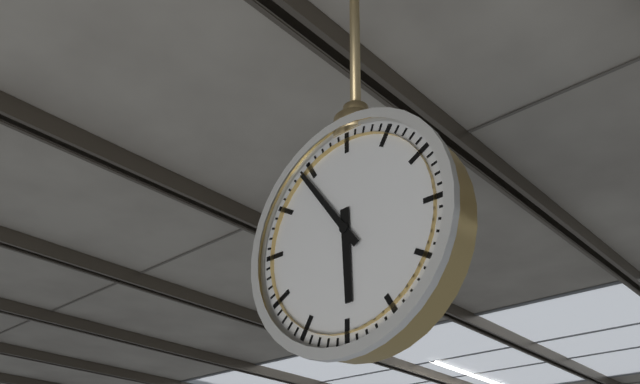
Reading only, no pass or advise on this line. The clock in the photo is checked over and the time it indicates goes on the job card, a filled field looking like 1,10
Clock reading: 5,54
